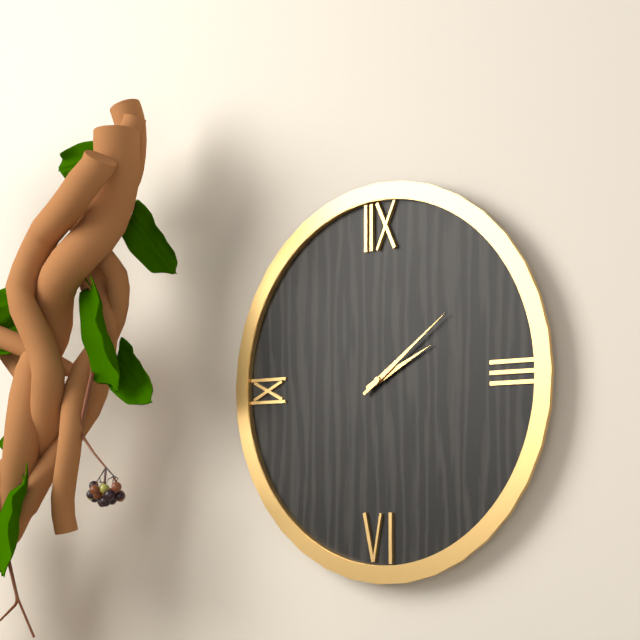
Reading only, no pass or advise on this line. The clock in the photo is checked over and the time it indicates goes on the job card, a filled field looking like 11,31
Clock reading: 2,09
